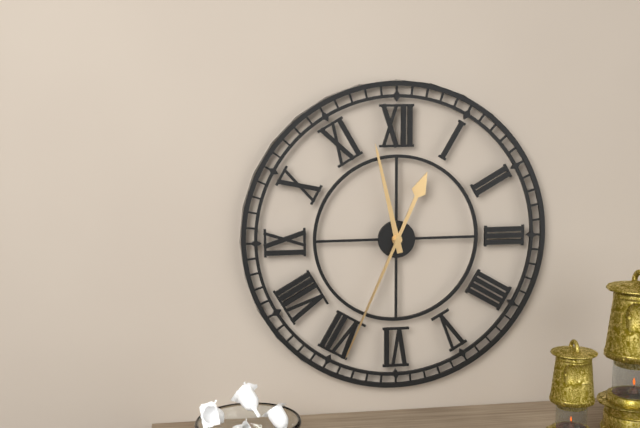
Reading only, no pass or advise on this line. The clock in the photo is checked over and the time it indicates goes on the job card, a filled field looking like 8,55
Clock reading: 11,34
